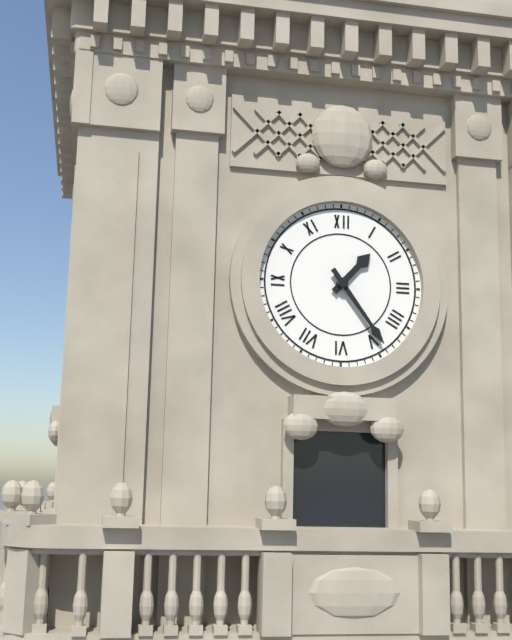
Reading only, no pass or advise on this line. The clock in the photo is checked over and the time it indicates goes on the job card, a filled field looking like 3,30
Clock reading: 1,24
